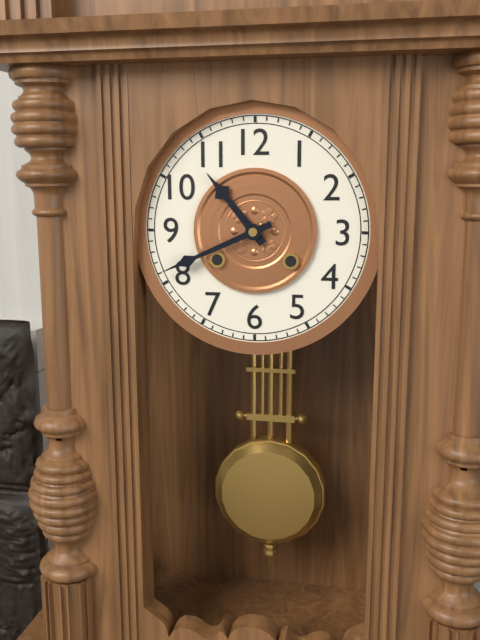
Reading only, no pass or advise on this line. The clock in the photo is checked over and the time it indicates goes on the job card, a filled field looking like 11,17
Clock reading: 10,41
